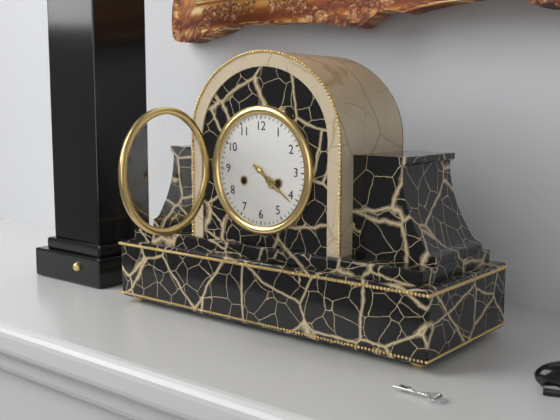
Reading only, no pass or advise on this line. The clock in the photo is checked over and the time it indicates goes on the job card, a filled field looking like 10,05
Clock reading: 4,21
